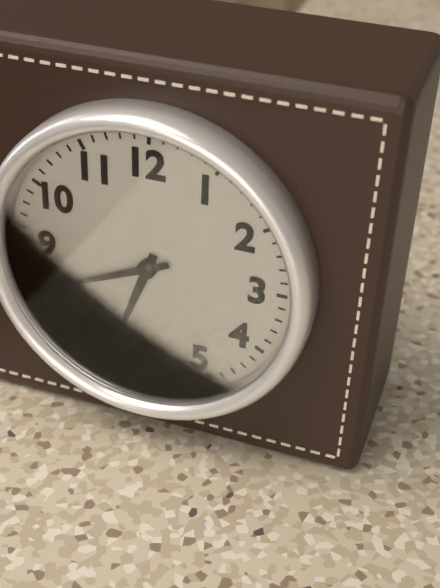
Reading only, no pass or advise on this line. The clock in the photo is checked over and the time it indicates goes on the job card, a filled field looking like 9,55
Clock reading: 6,41
